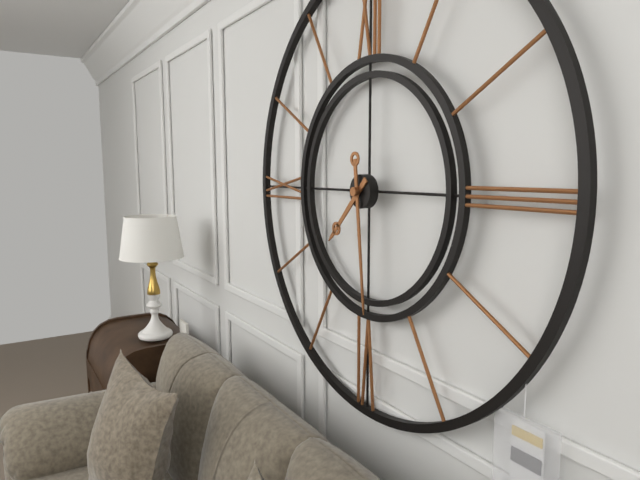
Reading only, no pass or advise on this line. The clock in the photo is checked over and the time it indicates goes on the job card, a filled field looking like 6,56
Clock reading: 7,29
